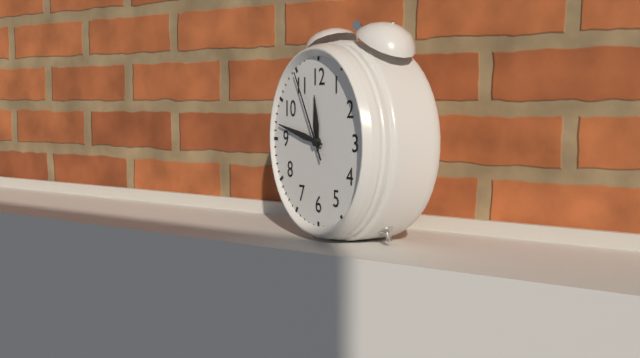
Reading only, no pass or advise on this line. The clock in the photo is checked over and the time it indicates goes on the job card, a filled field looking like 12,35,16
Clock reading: 11,47,55
